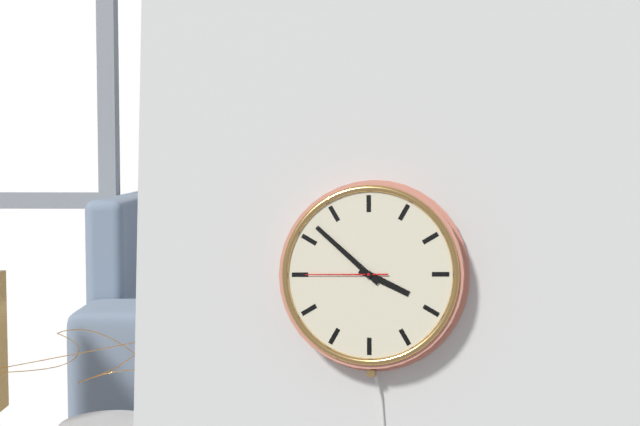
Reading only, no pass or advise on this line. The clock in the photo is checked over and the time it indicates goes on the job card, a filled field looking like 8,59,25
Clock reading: 3,52,45
